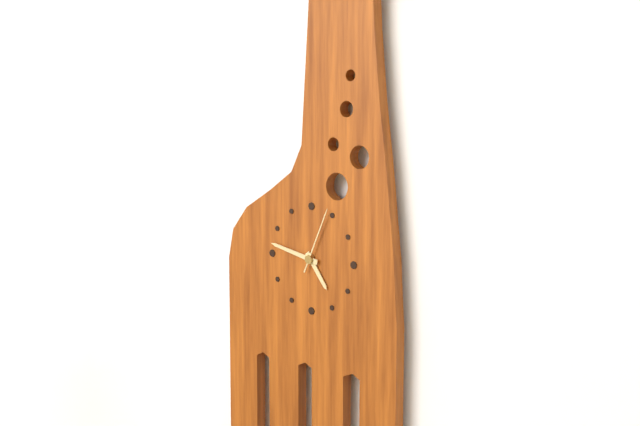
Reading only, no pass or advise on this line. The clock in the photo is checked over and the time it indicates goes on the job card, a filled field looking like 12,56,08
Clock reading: 4,47,04
